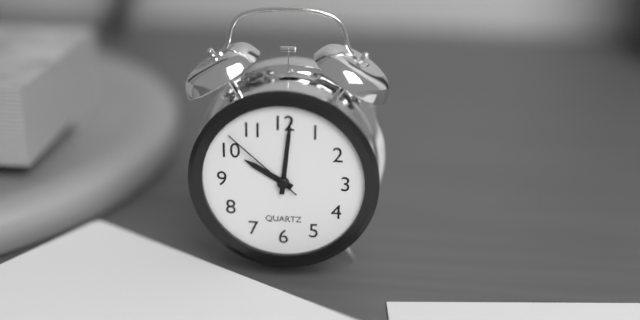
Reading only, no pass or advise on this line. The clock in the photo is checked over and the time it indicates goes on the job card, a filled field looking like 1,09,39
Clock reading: 10,01,52
